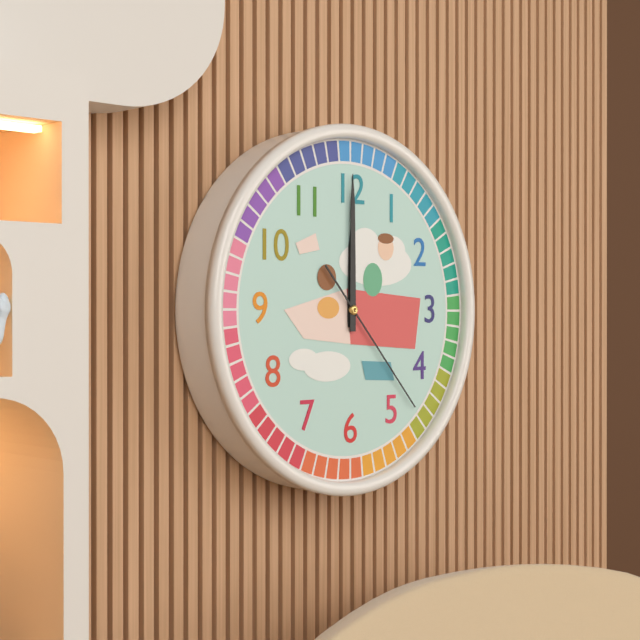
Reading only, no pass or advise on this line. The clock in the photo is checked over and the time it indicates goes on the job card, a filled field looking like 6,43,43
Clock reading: 12,00,23
